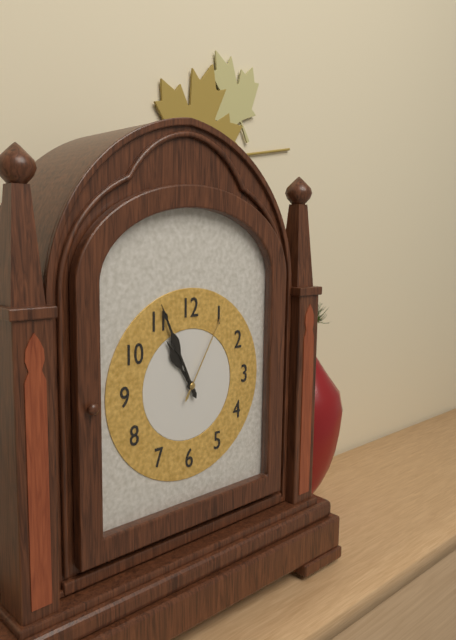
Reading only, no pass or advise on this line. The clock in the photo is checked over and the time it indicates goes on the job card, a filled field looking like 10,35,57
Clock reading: 10,56,05
